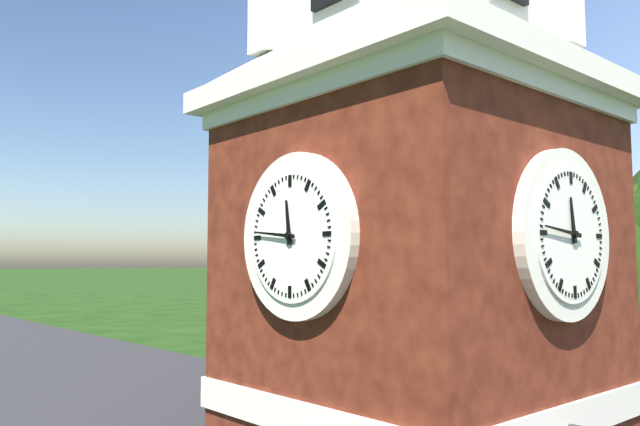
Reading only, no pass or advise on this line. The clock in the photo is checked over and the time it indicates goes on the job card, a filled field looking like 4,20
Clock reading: 11,46
